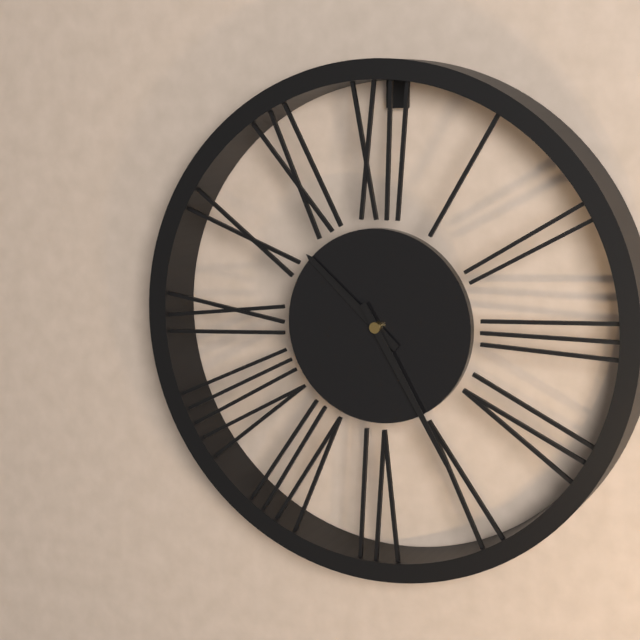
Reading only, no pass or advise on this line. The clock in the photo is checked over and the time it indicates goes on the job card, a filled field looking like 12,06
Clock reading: 10,25
